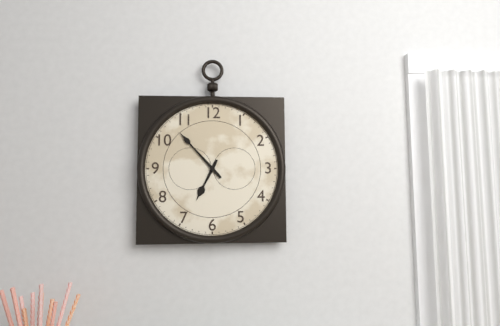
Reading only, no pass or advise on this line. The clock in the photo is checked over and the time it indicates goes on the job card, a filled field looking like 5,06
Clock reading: 6,53
